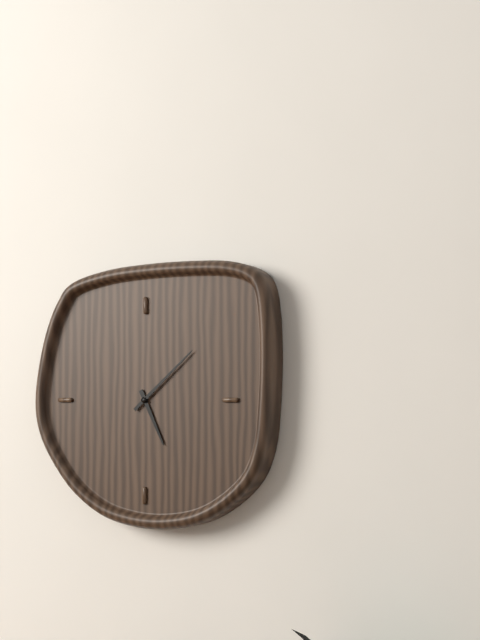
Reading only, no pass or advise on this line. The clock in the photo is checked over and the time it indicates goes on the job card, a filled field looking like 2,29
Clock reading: 5,08
